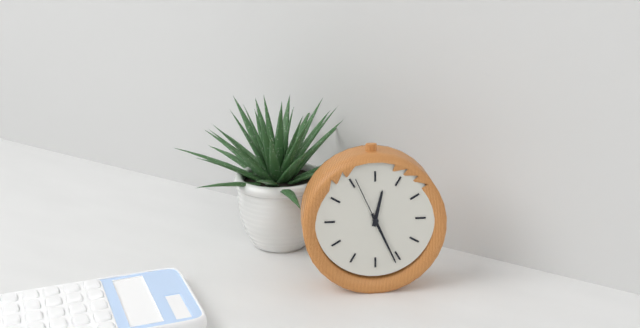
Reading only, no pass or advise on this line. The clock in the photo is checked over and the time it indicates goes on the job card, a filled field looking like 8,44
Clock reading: 12,26
